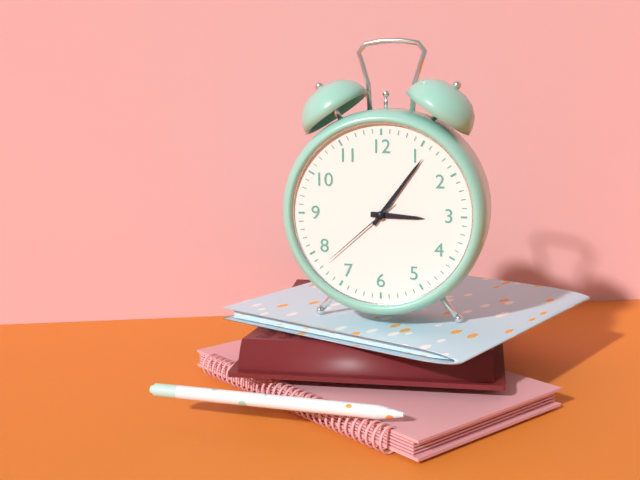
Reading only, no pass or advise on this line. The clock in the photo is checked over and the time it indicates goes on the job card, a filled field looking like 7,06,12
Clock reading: 3,06,38
